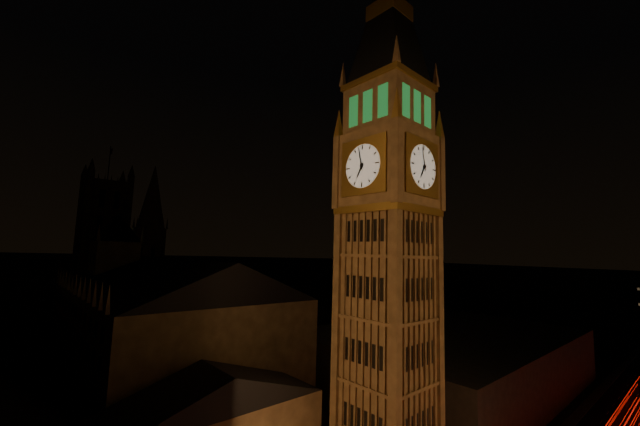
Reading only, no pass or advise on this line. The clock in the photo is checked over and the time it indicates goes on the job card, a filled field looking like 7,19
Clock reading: 6,58
